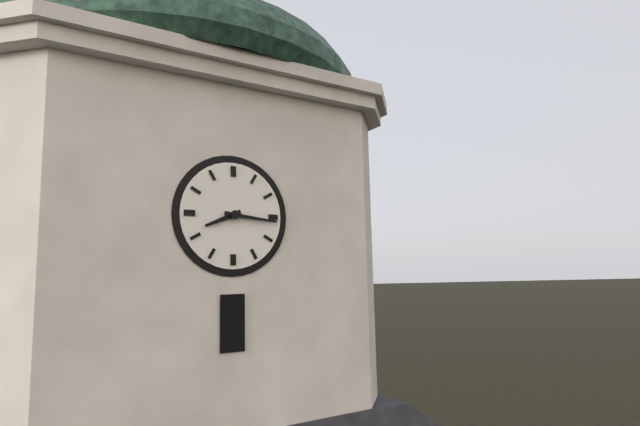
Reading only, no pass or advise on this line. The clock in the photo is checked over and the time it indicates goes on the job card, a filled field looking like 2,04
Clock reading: 8,16
